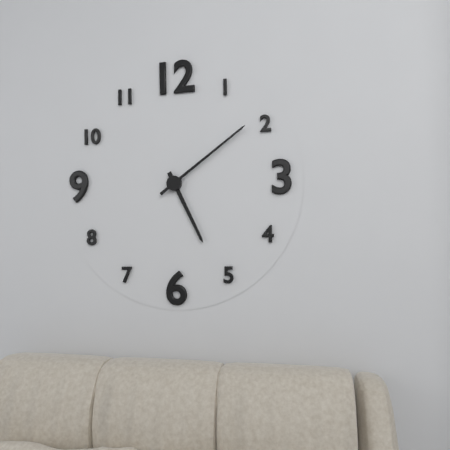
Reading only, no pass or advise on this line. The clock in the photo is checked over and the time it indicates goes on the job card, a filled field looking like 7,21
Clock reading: 5,09
